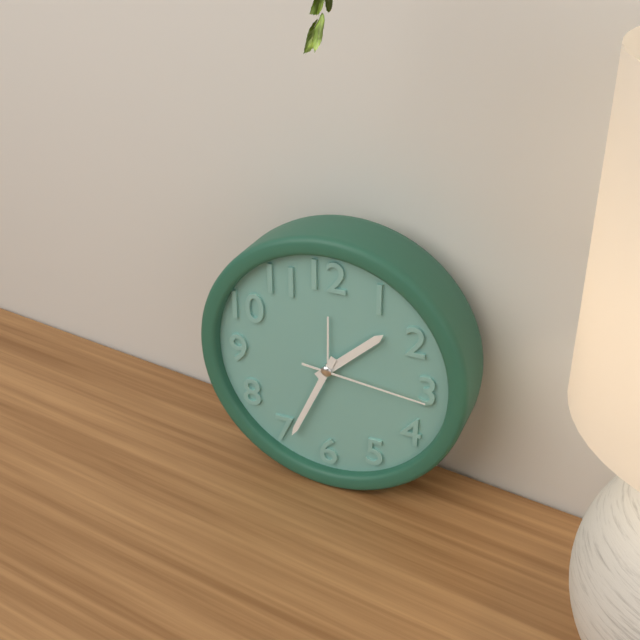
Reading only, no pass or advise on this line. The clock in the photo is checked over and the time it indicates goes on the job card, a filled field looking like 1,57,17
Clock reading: 1,34,16
